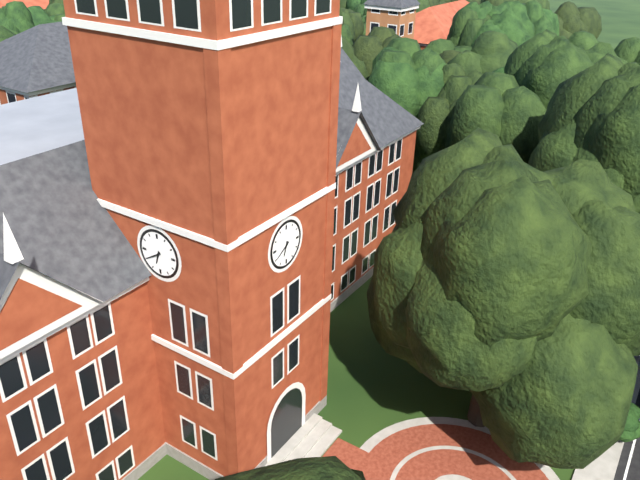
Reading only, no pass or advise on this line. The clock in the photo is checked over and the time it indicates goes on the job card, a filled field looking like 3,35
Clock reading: 6,40
